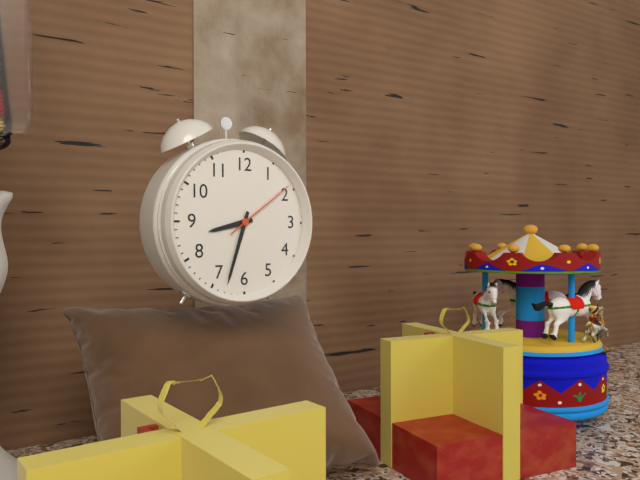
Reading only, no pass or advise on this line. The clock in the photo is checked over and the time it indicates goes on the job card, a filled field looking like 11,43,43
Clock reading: 8,33,09
